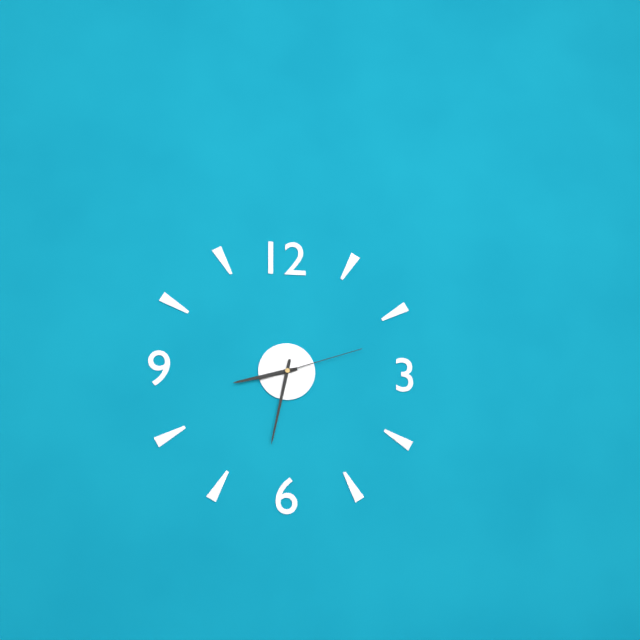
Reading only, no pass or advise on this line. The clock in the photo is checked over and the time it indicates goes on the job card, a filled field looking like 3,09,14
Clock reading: 8,32,12
